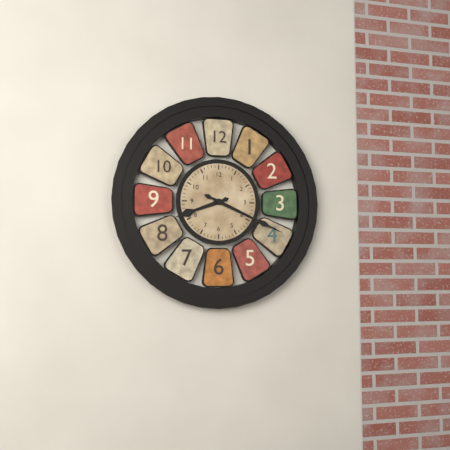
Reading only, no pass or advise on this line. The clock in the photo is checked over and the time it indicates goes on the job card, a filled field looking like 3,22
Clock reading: 8,19
